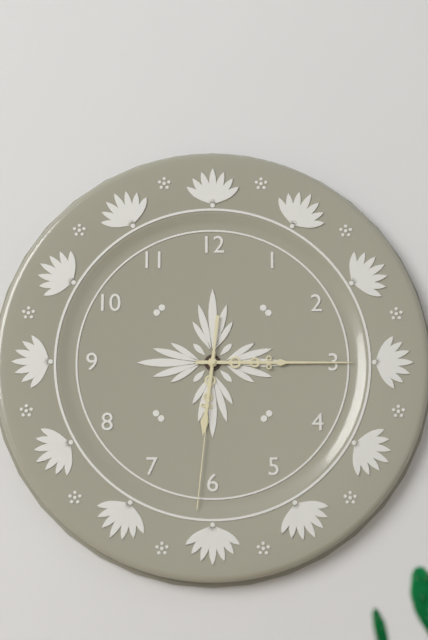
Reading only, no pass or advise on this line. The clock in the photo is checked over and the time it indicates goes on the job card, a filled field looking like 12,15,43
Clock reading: 6,15,31
